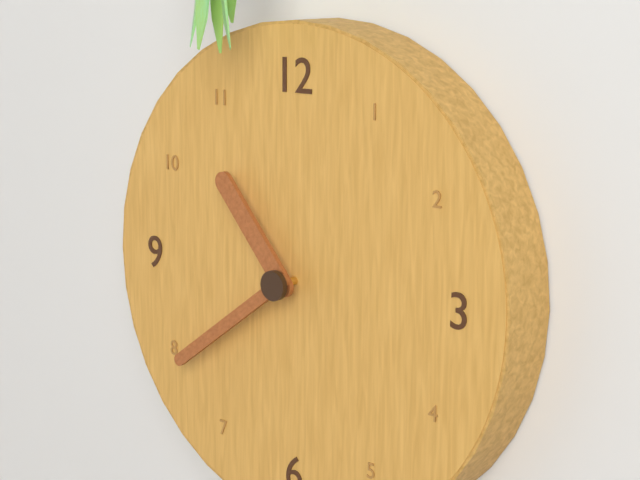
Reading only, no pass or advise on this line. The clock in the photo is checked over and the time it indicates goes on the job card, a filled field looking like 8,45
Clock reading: 10,39
